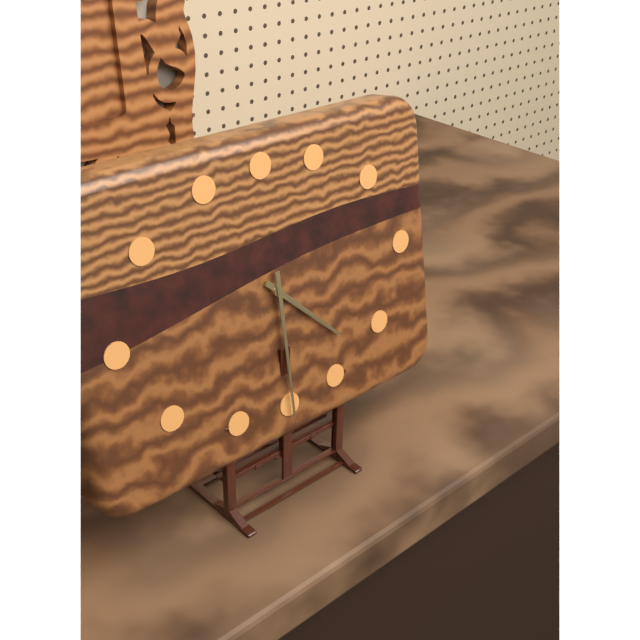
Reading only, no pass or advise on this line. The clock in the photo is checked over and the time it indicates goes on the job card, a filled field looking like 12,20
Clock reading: 4,30
